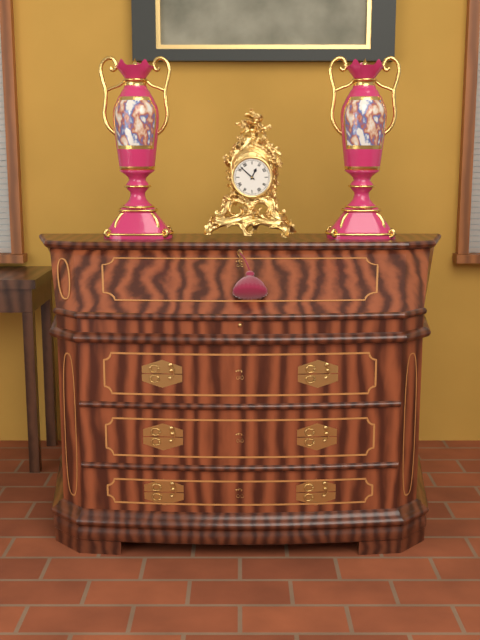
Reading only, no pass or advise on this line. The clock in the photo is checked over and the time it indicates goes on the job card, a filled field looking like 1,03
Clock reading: 12,52
